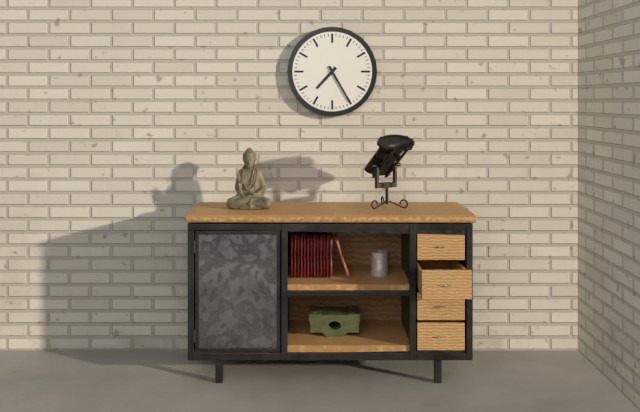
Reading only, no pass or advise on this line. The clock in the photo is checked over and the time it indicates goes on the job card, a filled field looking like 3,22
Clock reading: 7,25
